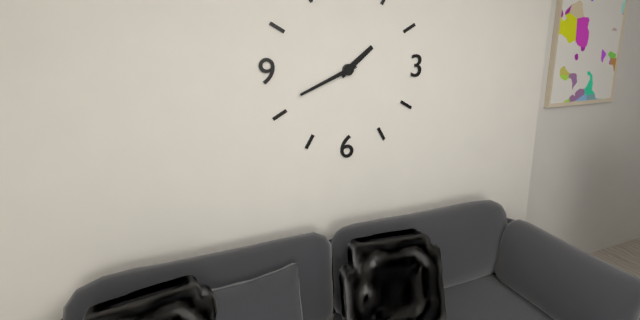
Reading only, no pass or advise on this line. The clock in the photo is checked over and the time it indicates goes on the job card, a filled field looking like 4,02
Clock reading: 1,41
